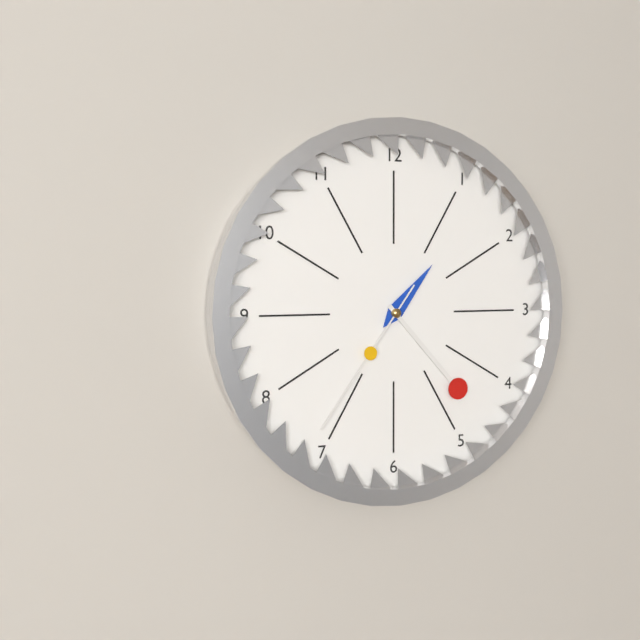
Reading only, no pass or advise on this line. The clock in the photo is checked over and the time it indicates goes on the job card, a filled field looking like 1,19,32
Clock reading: 1,23,36
